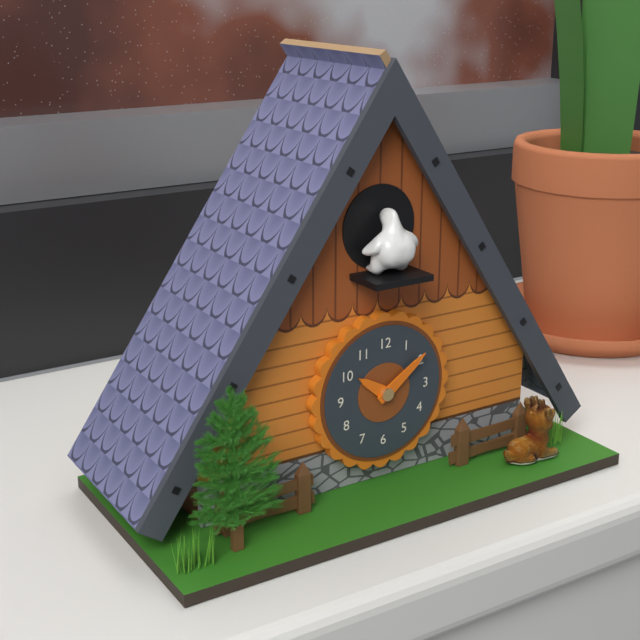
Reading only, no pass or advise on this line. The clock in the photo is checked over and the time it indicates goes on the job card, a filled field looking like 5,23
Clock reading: 10,09
